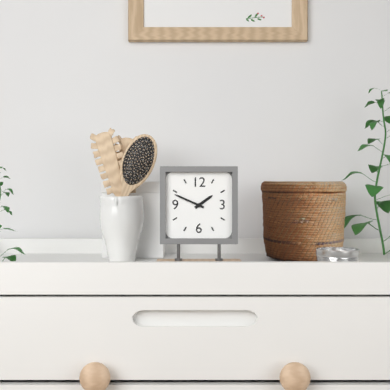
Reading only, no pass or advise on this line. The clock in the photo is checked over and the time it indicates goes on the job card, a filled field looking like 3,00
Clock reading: 1,49
